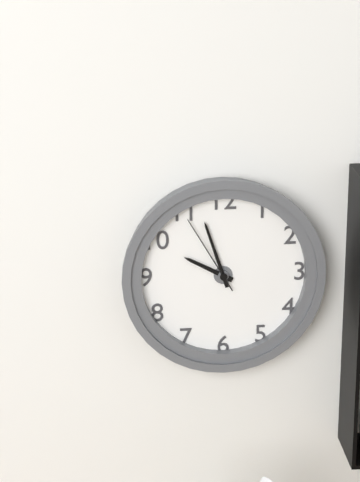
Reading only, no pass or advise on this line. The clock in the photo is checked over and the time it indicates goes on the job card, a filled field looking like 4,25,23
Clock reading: 9,57,55
